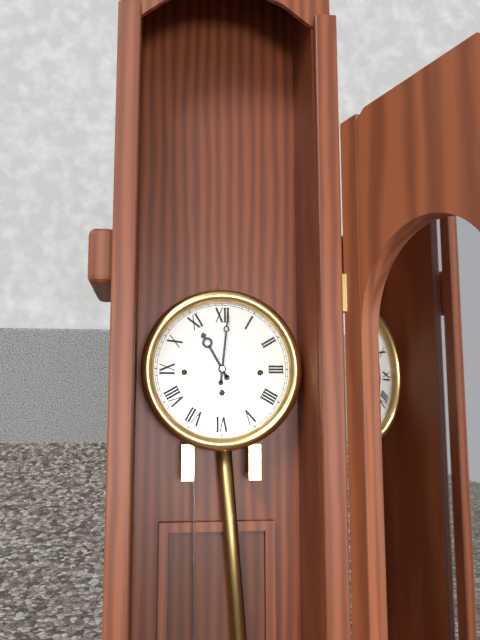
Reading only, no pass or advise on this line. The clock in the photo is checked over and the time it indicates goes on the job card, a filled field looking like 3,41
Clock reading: 11,01
